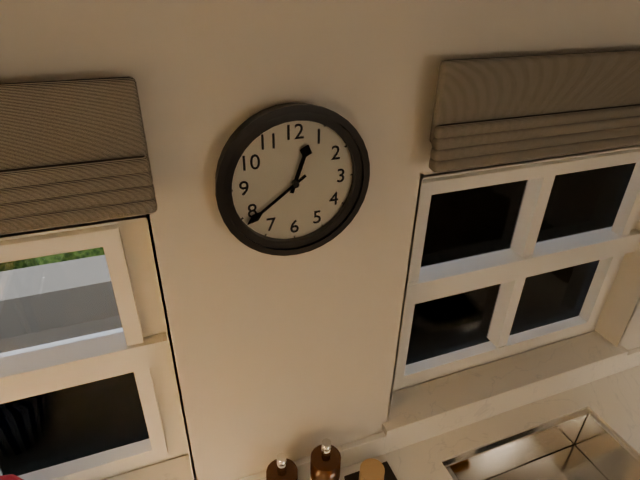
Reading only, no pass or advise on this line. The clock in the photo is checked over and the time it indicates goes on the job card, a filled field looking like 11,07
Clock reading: 12,39
